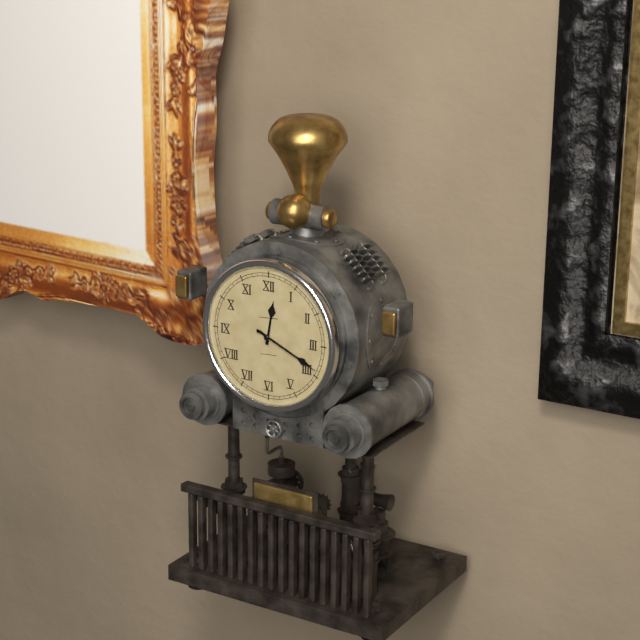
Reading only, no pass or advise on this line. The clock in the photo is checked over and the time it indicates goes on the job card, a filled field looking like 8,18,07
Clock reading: 12,19,19
